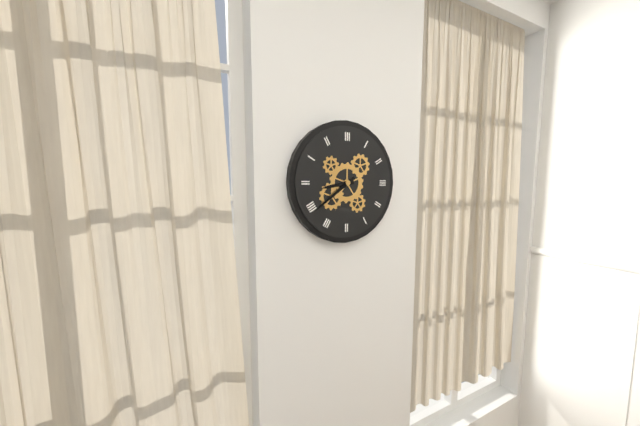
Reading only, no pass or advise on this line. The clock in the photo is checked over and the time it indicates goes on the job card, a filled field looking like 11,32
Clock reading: 8,39
